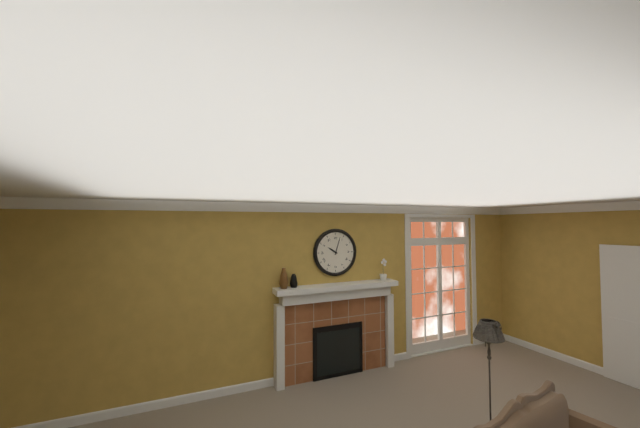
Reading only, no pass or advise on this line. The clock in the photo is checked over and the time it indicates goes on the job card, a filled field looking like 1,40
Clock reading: 10,03
